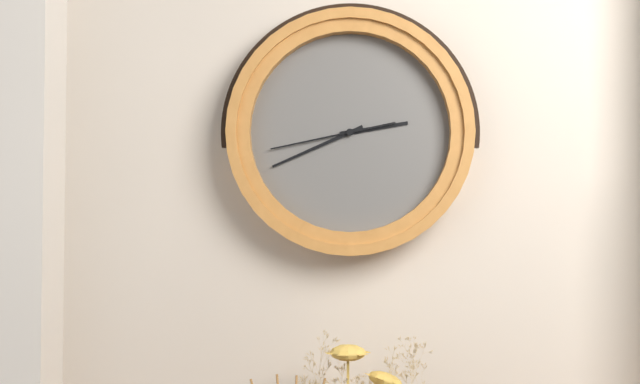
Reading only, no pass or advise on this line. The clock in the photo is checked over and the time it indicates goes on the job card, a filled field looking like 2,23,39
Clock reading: 2,41,43
